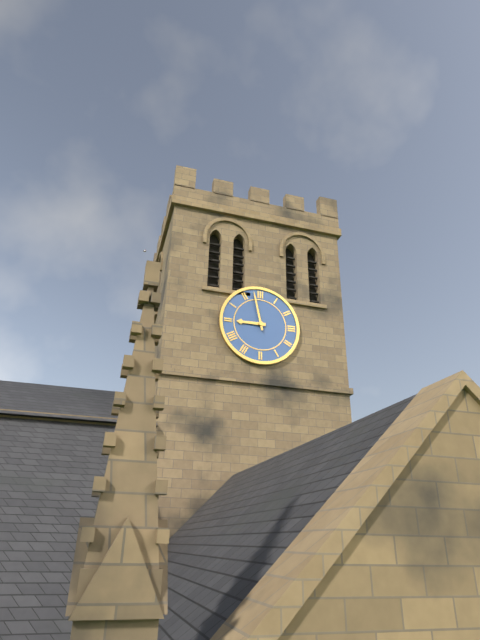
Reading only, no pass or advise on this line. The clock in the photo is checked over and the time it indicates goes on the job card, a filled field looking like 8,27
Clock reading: 8,58
